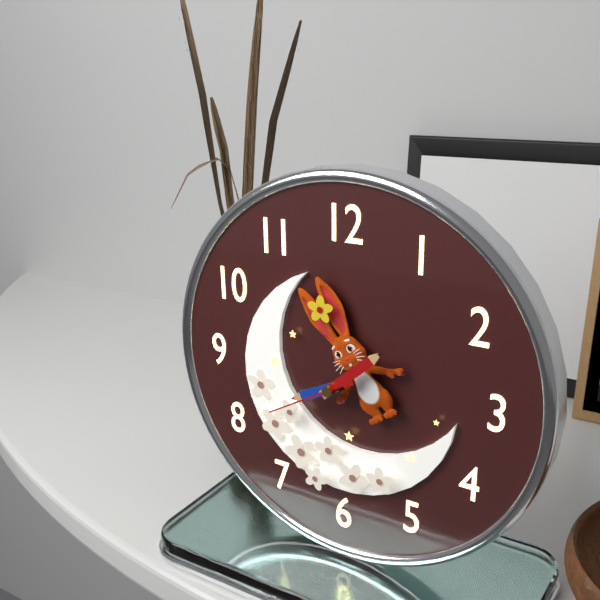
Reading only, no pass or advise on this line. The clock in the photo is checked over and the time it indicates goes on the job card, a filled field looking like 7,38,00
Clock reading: 8,08,40
